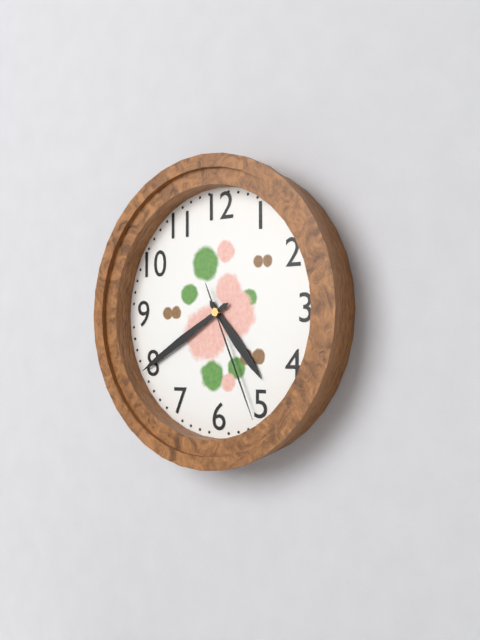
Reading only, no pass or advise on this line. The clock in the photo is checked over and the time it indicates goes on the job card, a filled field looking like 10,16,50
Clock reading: 4,40,26
